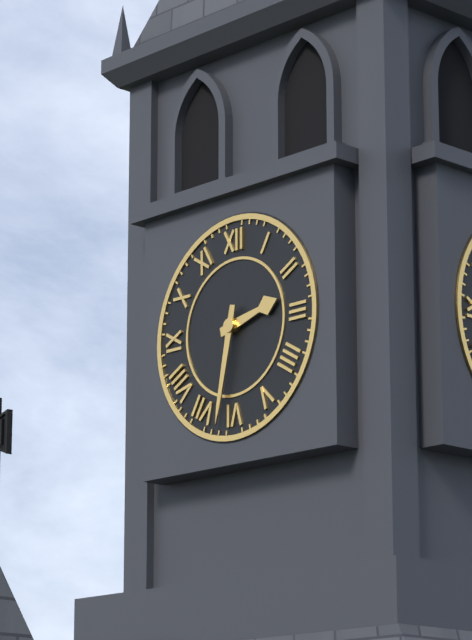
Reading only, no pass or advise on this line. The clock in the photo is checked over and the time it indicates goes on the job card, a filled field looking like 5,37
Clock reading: 2,32
